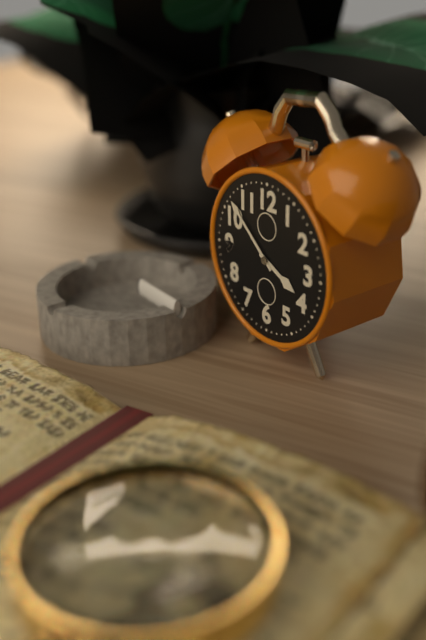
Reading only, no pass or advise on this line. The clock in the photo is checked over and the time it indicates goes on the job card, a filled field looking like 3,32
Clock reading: 3,52
